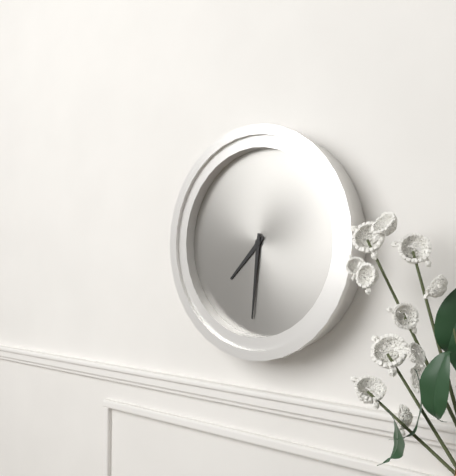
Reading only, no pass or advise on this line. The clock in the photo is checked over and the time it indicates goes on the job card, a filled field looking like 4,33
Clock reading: 7,31
